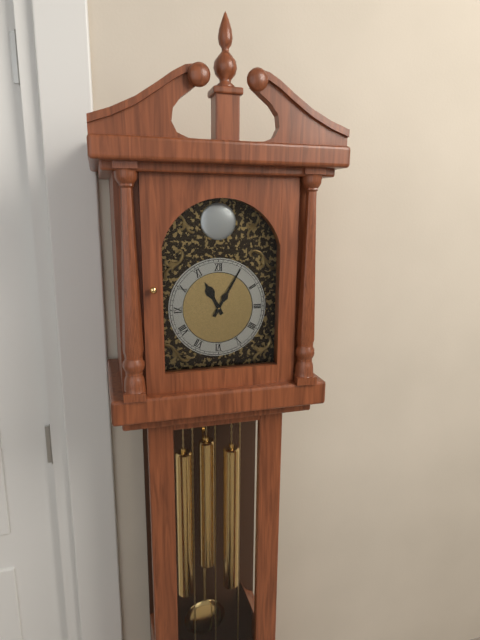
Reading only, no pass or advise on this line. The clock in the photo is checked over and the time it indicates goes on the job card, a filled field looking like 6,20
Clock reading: 11,05
